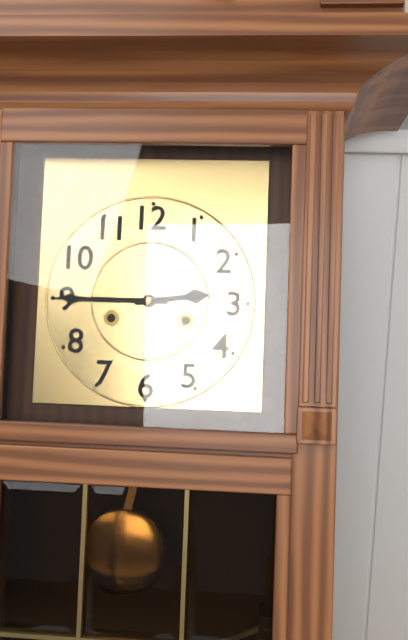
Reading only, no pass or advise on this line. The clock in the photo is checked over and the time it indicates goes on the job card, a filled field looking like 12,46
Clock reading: 2,45
